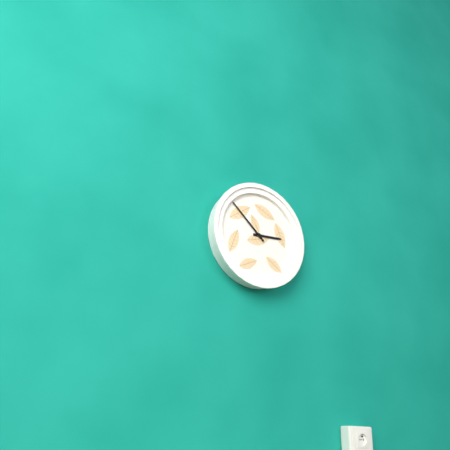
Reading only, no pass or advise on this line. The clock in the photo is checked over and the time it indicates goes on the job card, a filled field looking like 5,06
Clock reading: 2,52
